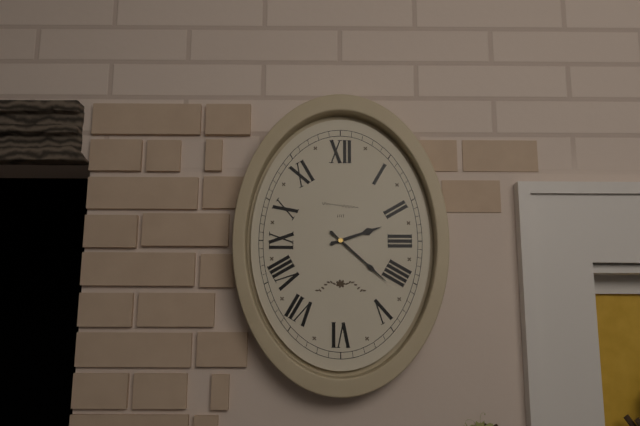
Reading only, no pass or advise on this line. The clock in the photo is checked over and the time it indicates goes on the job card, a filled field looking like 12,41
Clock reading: 2,22
